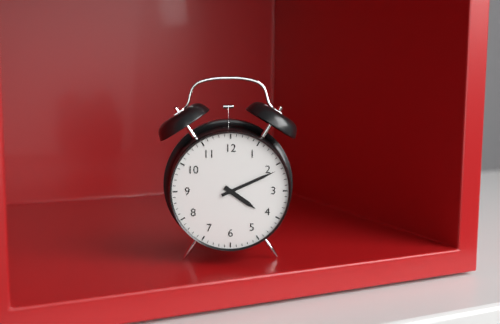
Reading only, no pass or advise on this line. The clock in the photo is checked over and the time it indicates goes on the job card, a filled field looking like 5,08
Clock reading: 4,11
